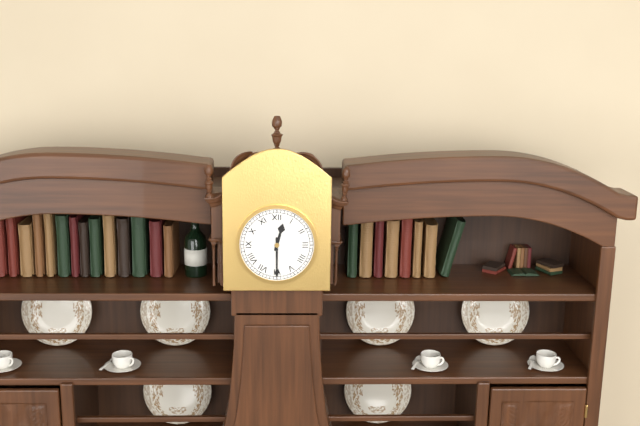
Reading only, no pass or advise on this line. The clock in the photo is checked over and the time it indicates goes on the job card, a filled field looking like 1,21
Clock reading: 12,30
